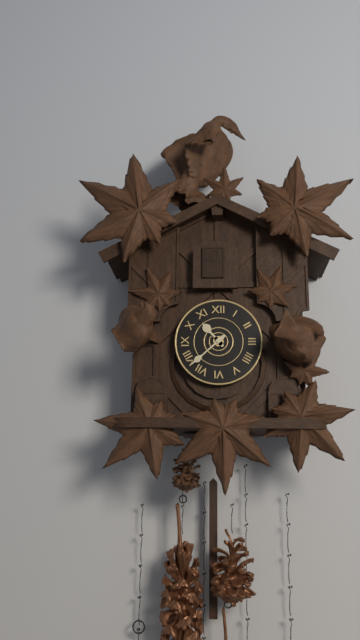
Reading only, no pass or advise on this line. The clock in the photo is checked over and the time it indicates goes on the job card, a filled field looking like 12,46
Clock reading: 10,38
